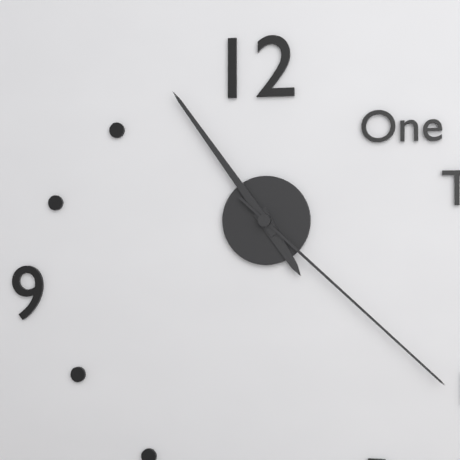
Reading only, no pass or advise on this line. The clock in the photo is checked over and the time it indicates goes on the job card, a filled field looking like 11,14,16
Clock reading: 4,54,22
